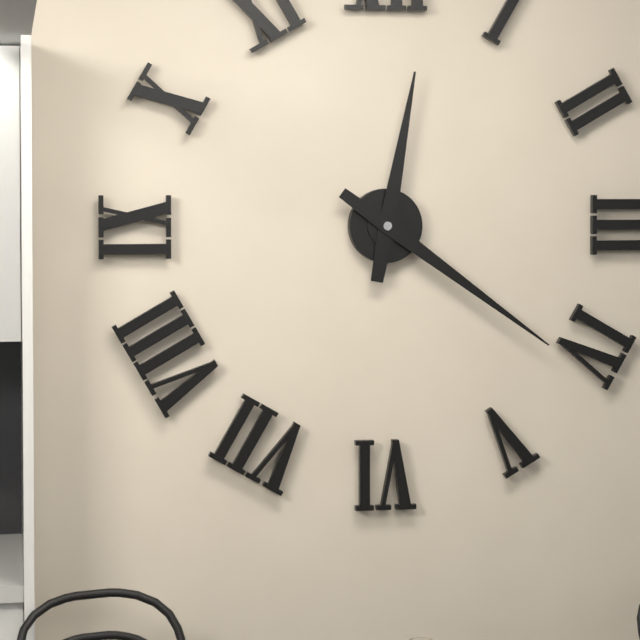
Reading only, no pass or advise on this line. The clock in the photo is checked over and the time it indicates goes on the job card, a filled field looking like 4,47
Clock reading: 12,21
